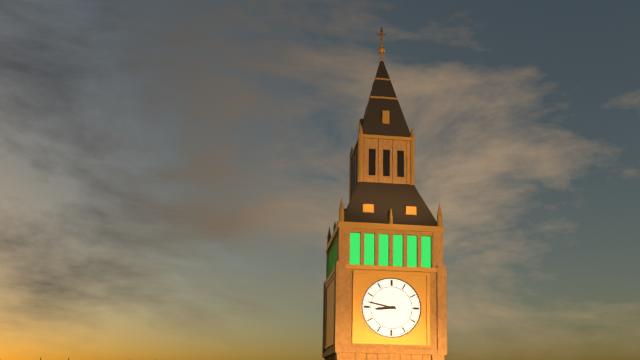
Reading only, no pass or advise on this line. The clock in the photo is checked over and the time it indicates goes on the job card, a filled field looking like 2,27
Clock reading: 8,47
